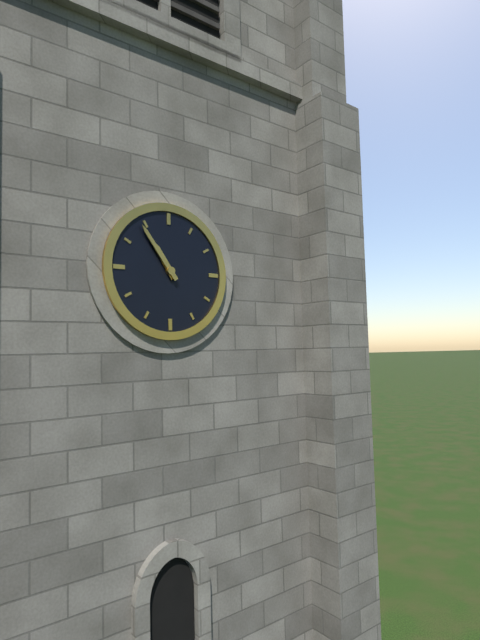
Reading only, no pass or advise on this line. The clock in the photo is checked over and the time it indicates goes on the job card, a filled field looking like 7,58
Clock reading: 10,54
